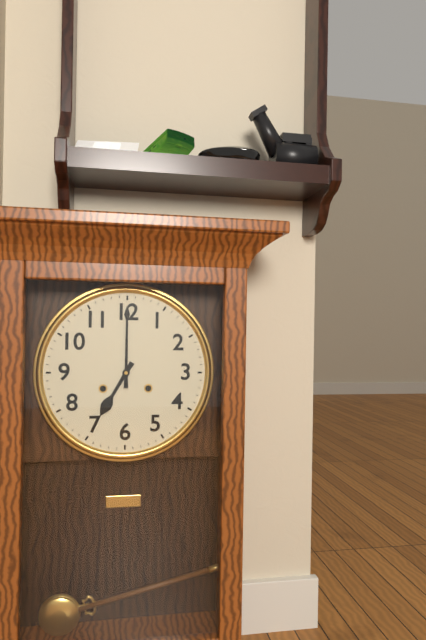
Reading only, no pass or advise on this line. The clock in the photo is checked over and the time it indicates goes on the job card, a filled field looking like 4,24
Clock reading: 7,00
